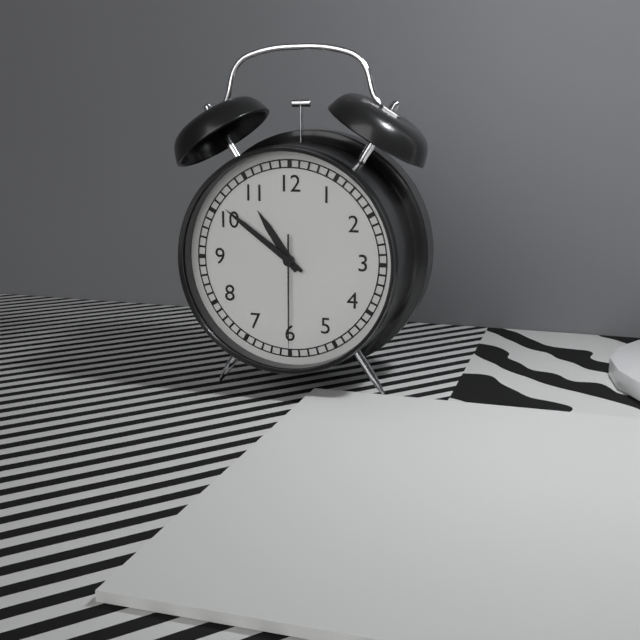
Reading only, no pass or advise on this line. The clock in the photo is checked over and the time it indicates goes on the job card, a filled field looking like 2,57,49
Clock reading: 10,51,30
